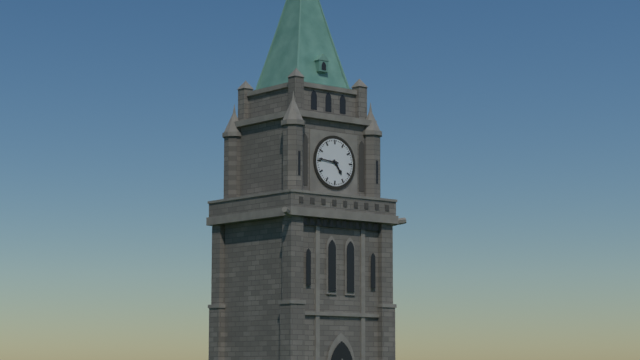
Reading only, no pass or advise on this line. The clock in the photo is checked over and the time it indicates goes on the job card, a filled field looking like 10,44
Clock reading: 4,46
